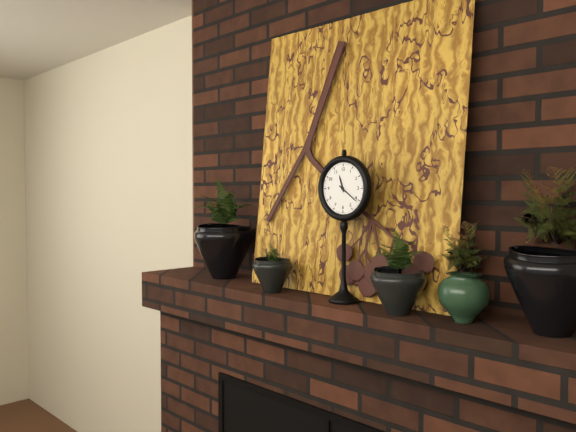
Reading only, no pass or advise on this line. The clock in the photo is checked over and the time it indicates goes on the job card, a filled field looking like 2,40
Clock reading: 11,21
